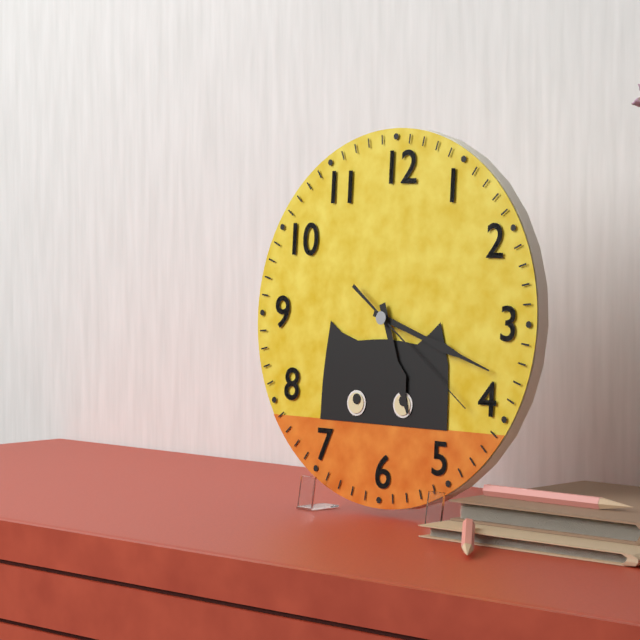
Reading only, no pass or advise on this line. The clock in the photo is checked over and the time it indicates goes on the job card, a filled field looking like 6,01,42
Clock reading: 5,18,21
